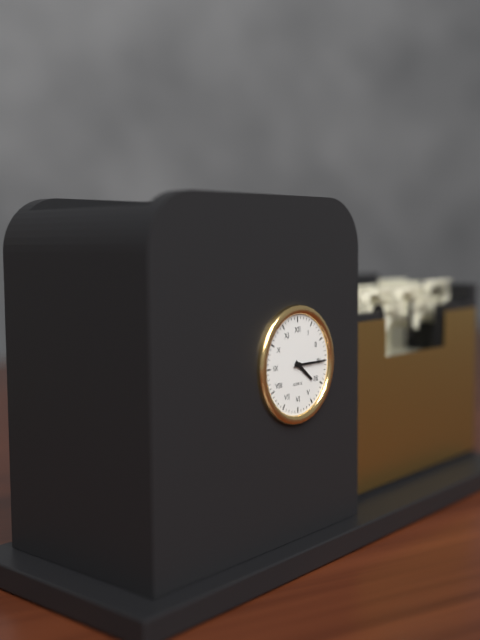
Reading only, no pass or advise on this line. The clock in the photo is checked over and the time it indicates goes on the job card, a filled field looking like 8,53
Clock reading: 4,15
